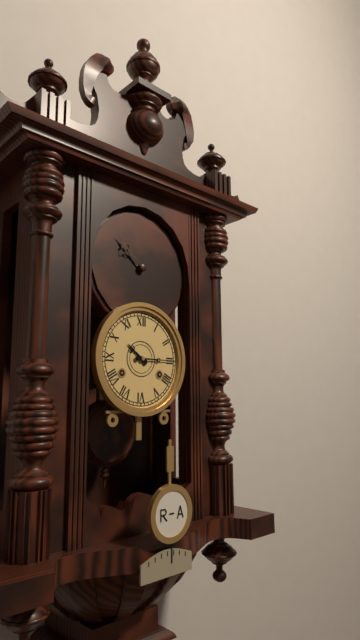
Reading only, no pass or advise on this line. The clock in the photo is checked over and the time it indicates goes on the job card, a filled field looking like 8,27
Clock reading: 10,15
